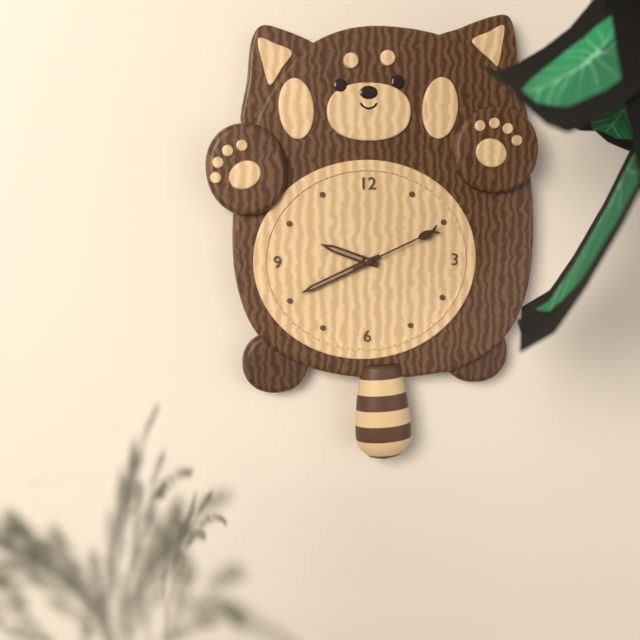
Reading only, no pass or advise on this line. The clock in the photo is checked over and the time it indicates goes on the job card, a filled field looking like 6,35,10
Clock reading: 9,41,11
